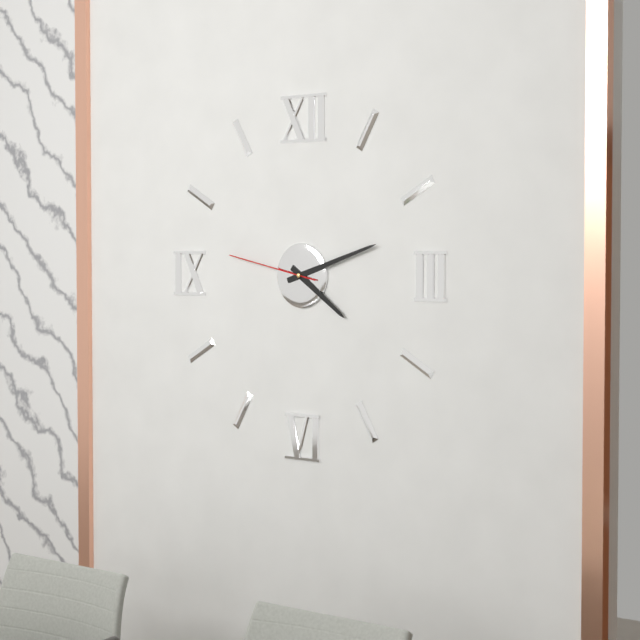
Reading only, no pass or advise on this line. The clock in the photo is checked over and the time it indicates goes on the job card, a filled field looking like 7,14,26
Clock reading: 4,12,47
